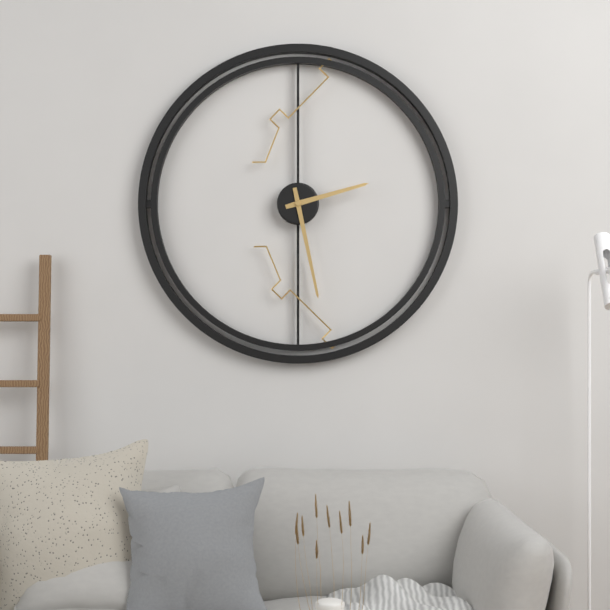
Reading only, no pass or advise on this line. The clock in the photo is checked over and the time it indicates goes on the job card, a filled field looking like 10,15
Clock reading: 2,28
